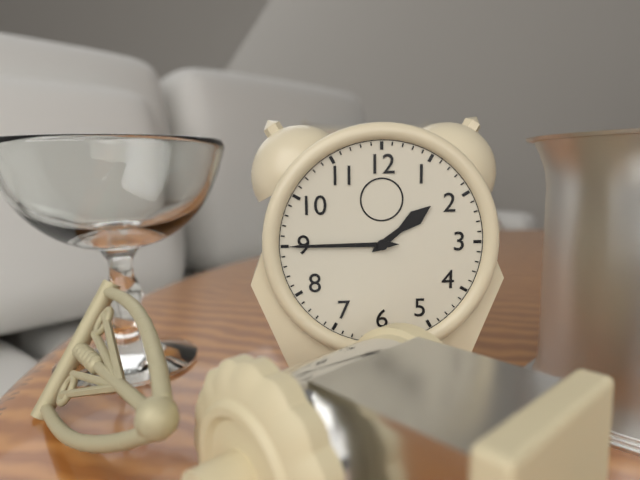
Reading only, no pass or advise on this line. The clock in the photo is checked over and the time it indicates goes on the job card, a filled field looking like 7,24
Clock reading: 1,45
